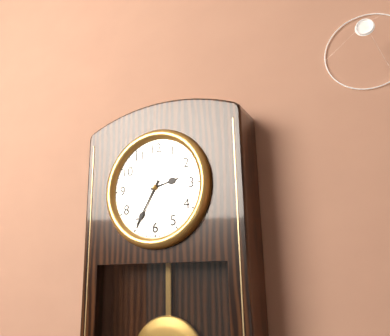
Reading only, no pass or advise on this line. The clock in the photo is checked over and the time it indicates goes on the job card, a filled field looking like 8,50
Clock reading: 2,35
